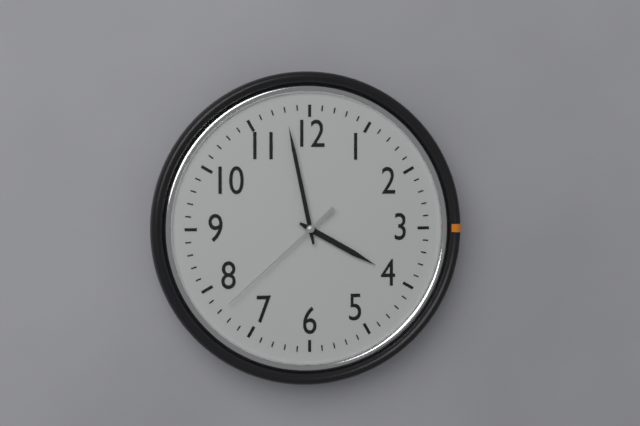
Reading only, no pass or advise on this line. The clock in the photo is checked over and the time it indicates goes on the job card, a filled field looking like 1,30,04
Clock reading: 3,58,38
